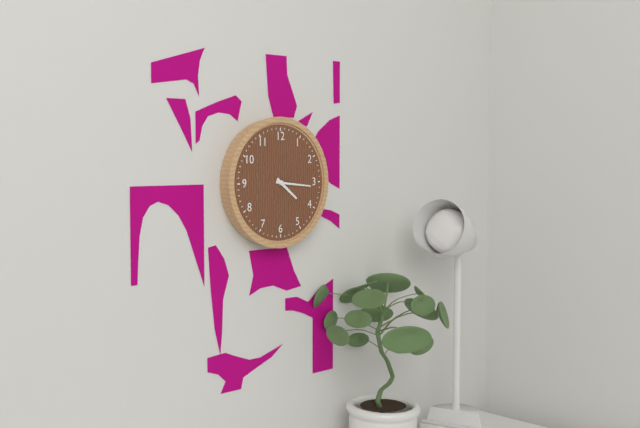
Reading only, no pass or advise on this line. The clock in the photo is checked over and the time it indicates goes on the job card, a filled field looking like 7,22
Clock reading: 4,16
